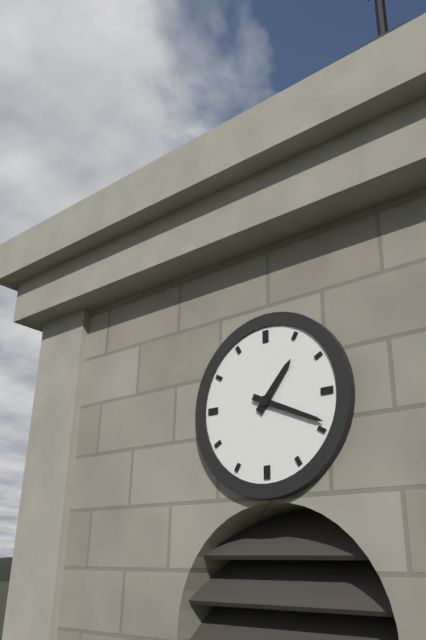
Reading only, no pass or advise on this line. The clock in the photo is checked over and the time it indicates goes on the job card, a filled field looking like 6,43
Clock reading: 1,19
